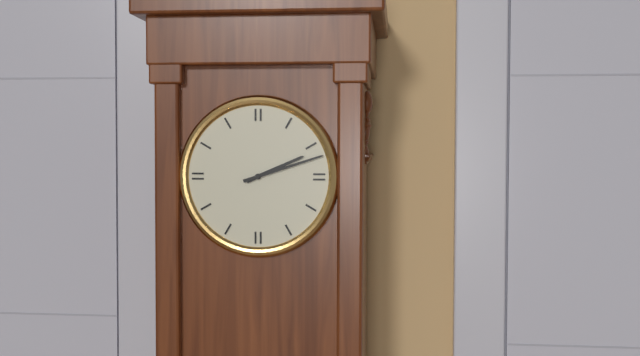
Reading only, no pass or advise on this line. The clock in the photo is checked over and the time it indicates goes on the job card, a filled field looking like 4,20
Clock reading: 2,12
